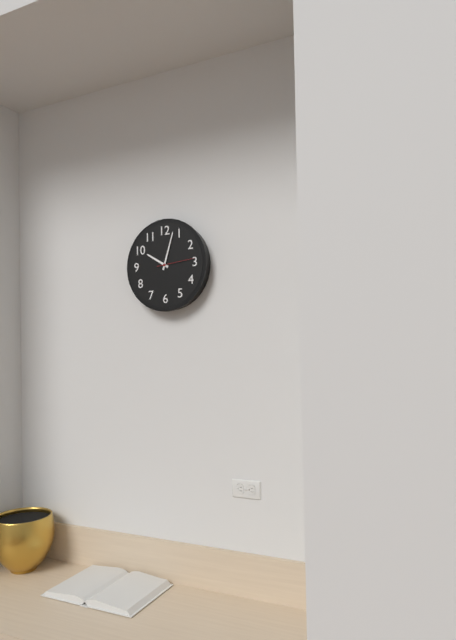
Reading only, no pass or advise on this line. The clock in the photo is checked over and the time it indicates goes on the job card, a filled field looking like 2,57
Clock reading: 10,03
